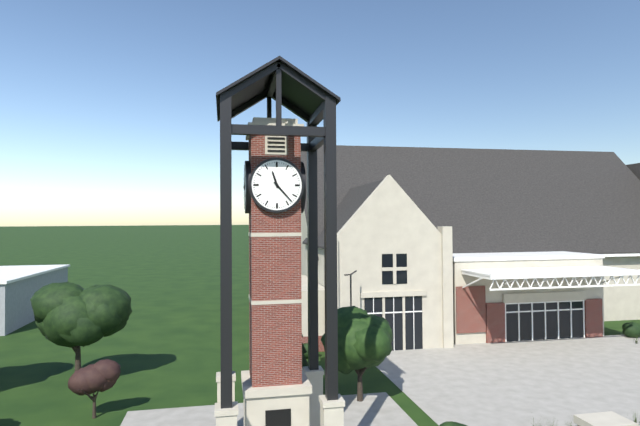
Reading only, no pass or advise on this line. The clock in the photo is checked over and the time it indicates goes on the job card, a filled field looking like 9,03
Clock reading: 11,23
